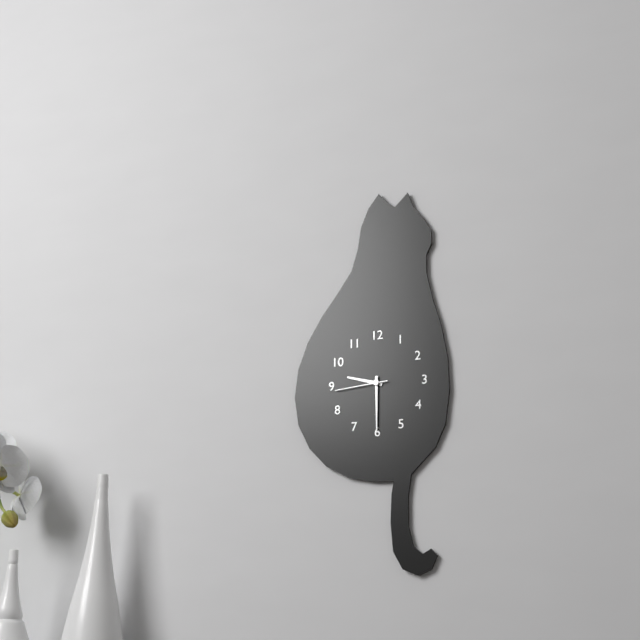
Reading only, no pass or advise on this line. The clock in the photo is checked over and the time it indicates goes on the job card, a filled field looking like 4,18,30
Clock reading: 9,30,44
